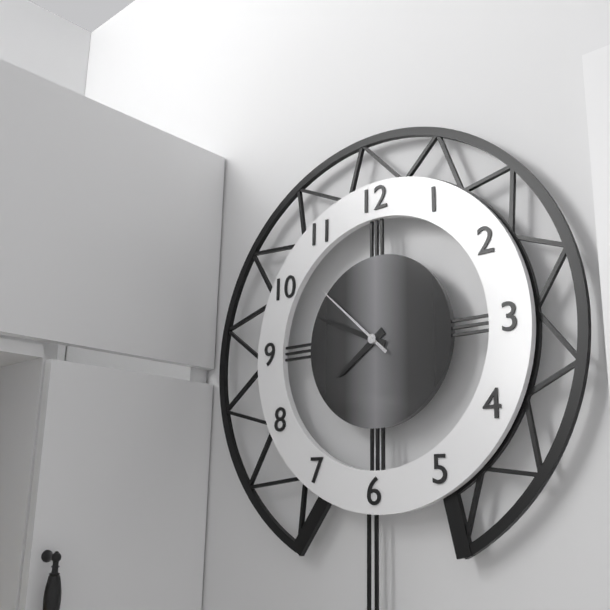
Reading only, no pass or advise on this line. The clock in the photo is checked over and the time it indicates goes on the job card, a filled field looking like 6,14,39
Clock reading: 7,49,52
